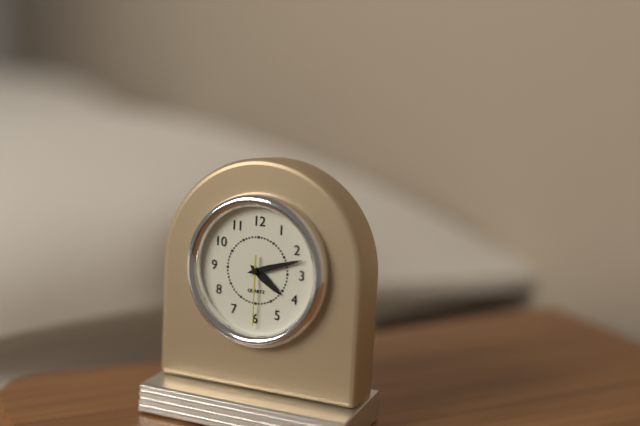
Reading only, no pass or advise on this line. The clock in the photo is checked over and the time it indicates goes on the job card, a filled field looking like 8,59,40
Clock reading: 4,12,30
